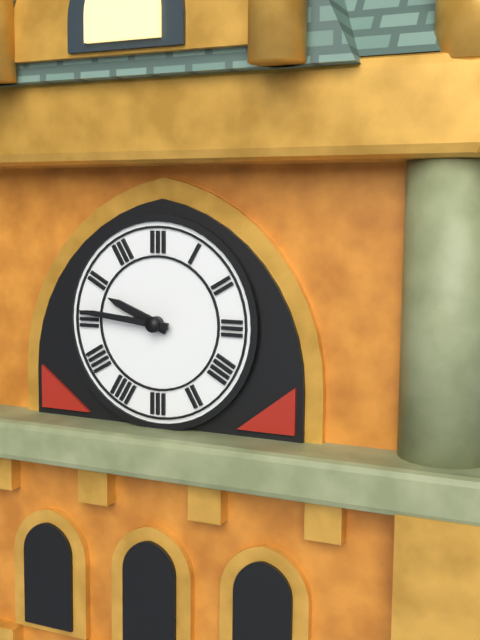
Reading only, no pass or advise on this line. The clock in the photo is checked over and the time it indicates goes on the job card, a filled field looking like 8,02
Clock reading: 9,46
